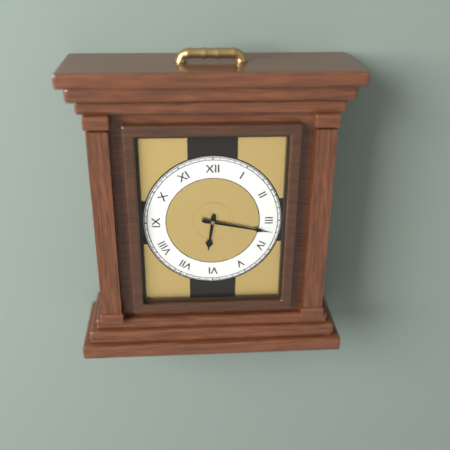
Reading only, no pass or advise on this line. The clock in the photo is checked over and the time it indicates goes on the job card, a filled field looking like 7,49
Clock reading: 6,17
